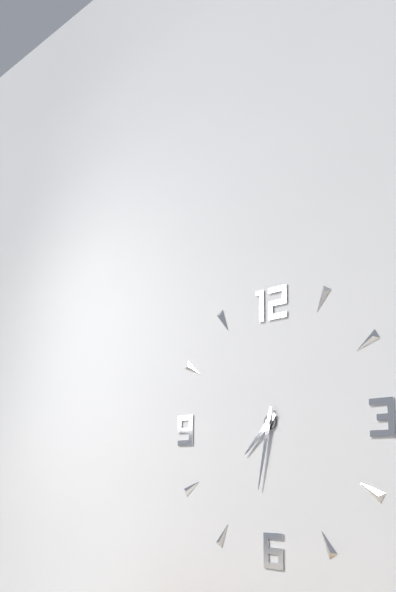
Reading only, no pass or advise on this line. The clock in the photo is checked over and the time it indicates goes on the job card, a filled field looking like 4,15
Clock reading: 7,32
